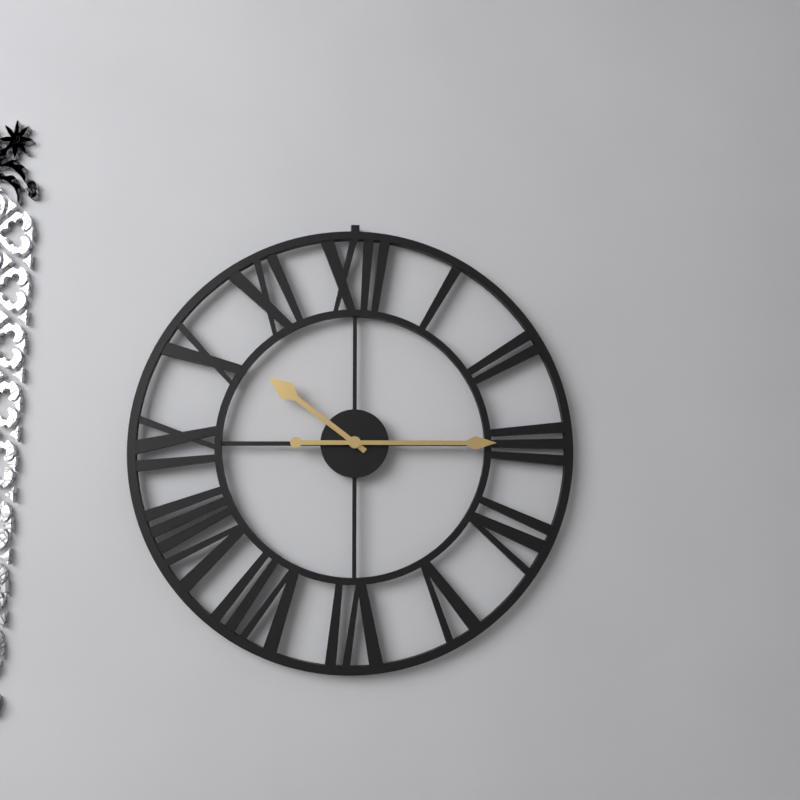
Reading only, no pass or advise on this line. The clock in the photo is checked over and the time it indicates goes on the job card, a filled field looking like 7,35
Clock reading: 10,15
